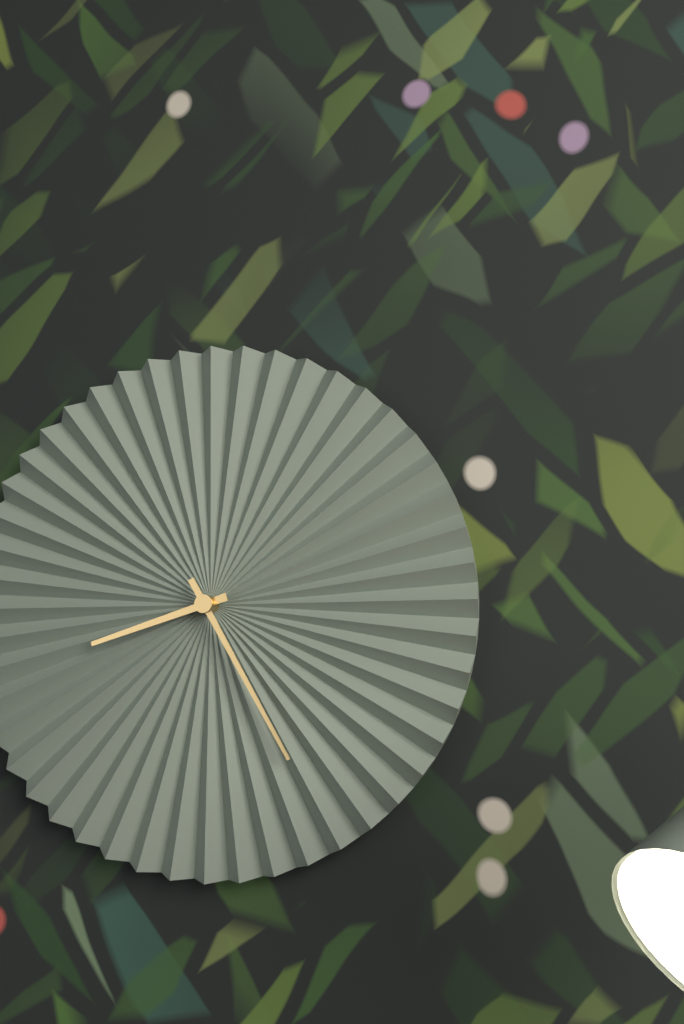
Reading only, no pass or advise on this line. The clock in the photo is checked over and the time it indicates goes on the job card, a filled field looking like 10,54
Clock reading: 8,25
